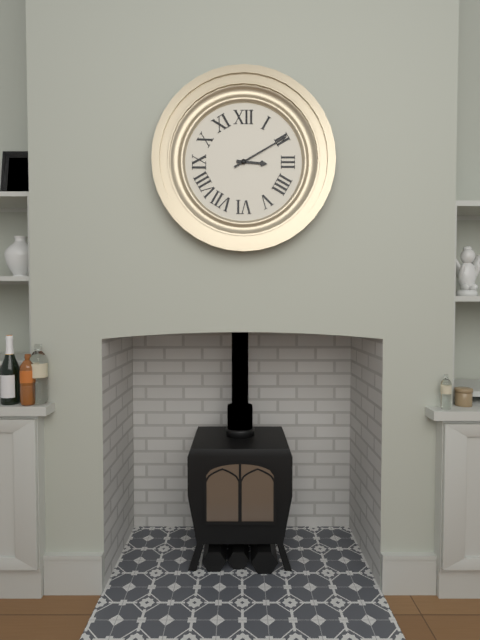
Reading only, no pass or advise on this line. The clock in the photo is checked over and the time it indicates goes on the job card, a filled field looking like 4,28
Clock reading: 3,10
